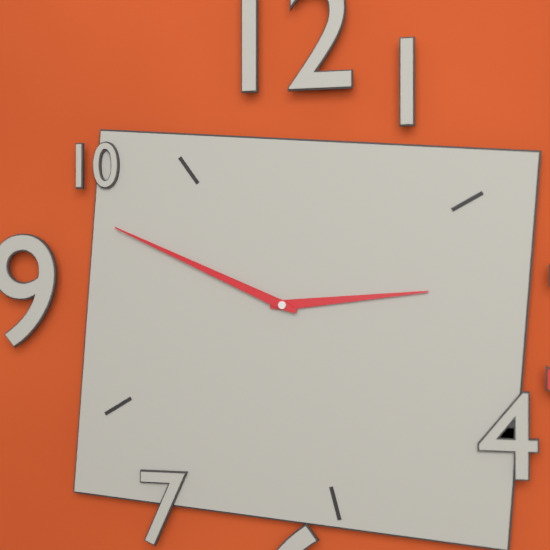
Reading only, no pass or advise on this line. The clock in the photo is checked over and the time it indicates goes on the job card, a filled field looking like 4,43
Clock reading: 2,49
